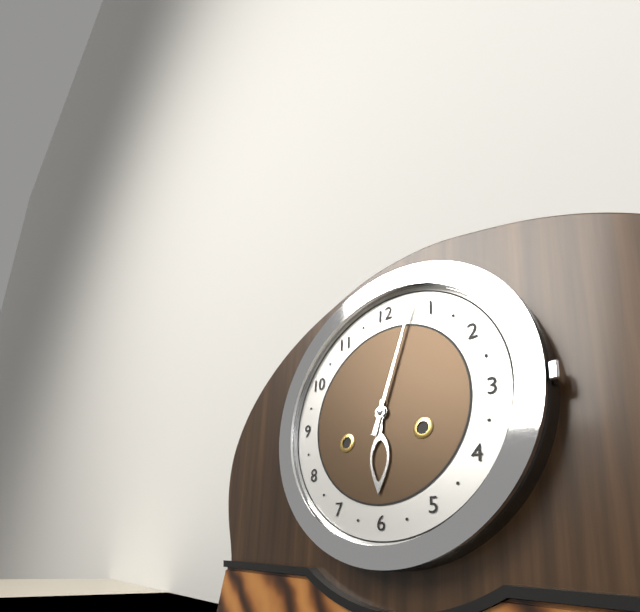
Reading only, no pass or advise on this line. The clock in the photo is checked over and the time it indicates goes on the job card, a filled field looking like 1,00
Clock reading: 6,03
